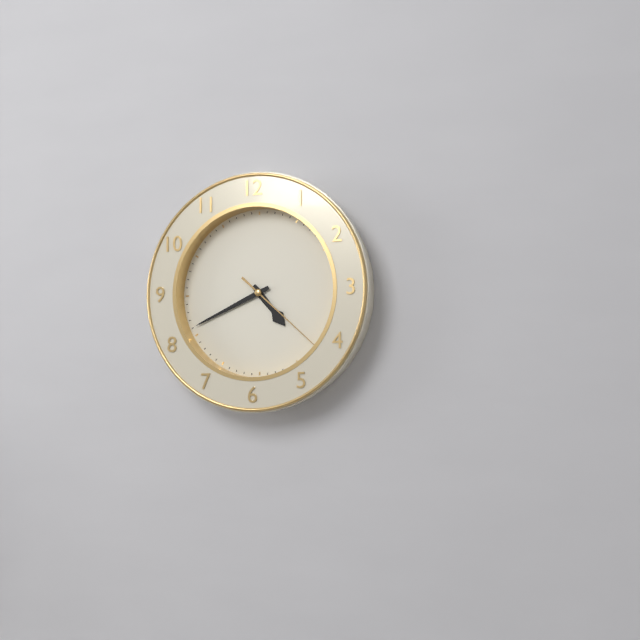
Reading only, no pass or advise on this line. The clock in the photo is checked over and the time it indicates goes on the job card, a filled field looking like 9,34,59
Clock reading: 4,41,22
